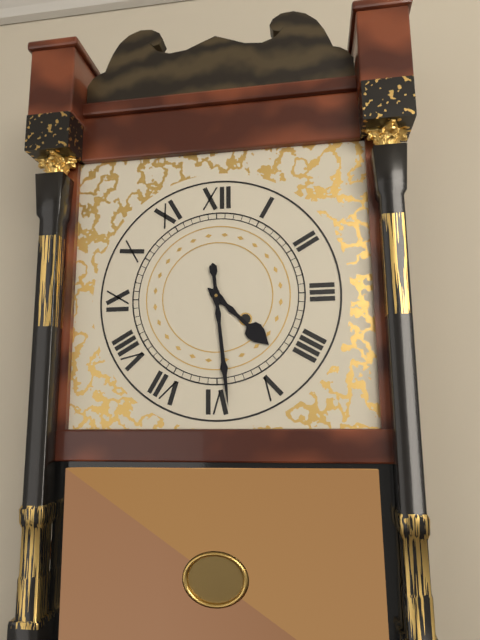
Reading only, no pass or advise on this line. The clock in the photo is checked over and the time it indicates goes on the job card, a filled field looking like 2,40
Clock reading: 4,29
